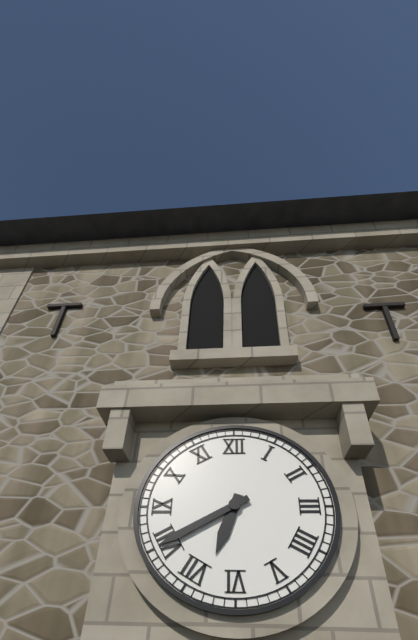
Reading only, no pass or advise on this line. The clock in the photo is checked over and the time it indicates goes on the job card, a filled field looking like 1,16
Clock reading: 6,40
